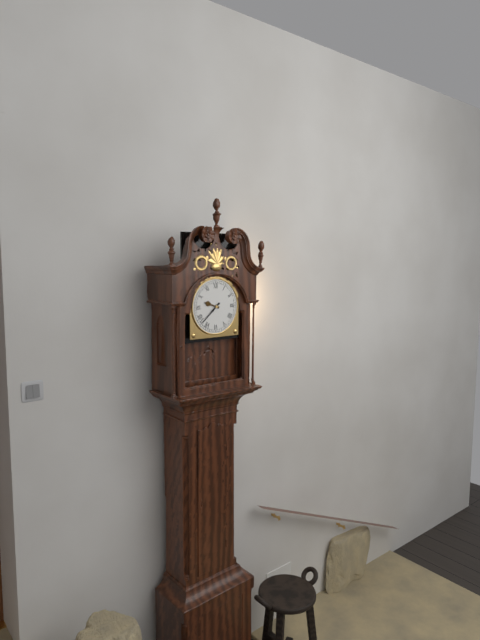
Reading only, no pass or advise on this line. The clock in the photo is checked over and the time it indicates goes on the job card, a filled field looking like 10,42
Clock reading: 9,38
